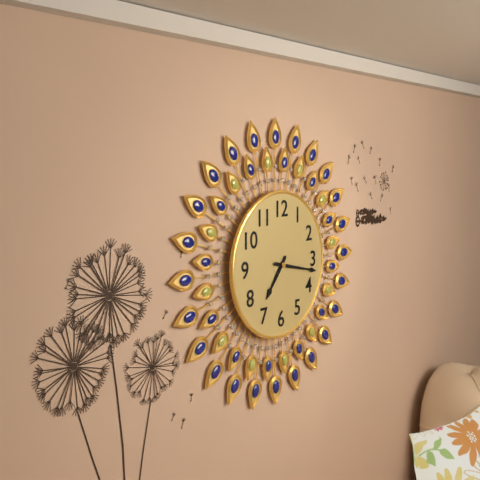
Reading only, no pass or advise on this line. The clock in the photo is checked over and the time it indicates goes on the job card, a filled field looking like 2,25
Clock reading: 7,17
